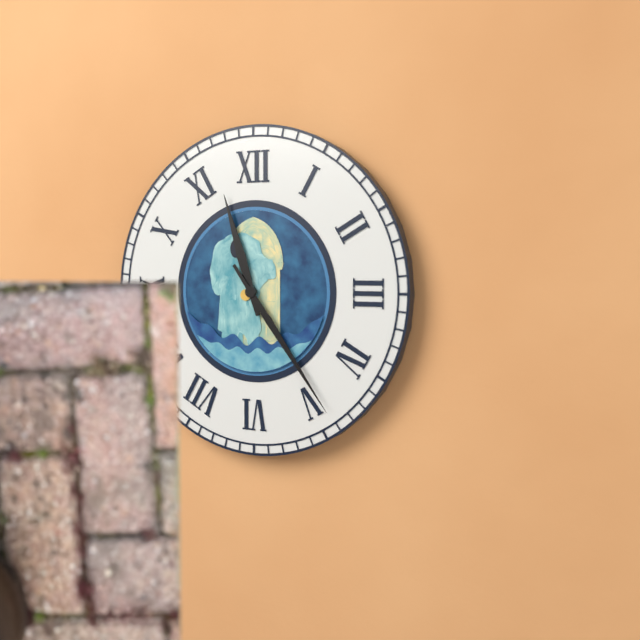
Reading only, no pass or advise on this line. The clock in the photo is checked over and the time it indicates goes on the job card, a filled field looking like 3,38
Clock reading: 11,24
